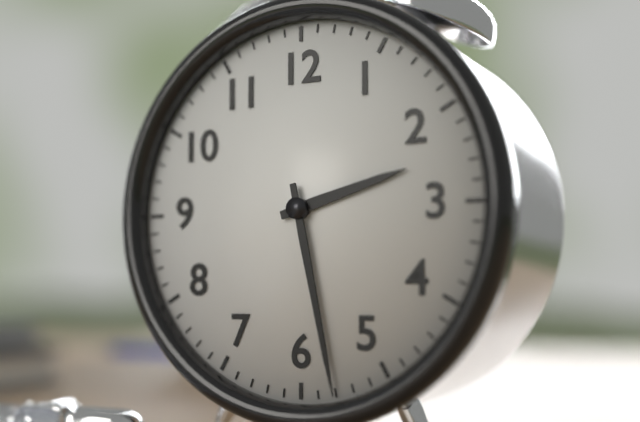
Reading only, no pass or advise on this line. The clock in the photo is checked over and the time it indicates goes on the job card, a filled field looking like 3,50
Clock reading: 2,28
